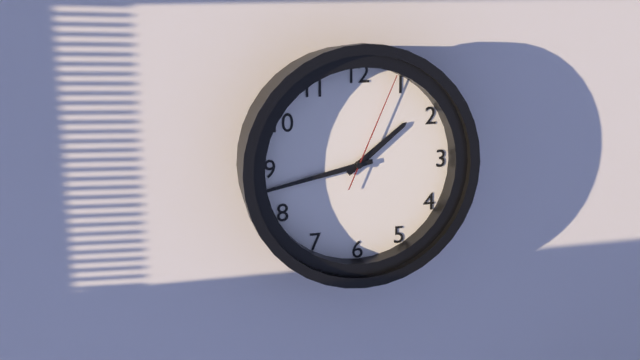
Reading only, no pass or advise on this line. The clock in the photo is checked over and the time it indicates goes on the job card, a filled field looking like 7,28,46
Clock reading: 1,43,04
